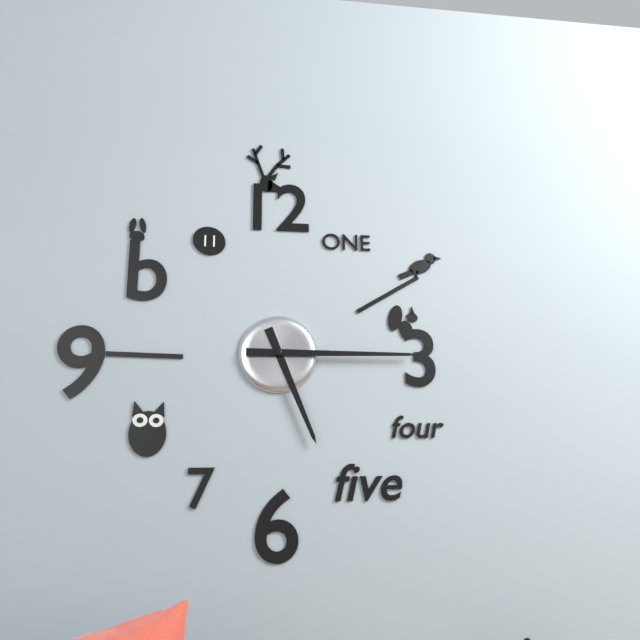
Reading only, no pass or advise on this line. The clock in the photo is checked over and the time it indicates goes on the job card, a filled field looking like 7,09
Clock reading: 5,15
